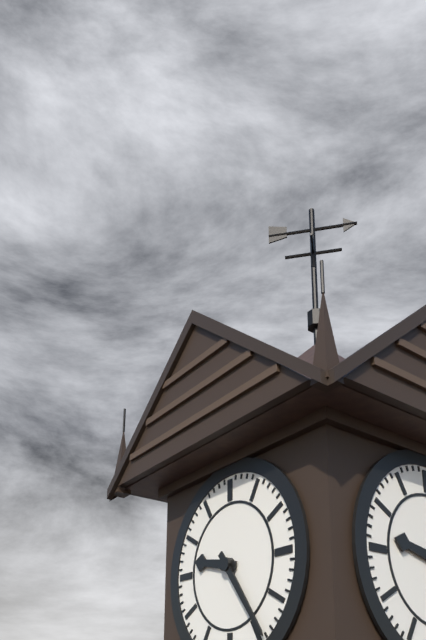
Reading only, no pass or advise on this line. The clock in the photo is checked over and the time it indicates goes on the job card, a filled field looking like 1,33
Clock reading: 9,24
